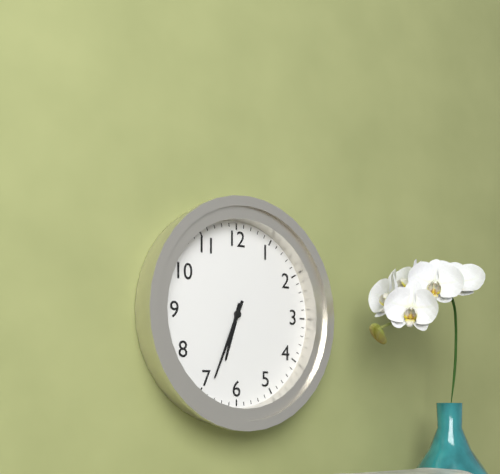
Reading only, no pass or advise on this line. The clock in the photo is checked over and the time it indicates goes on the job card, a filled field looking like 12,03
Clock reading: 6,34
